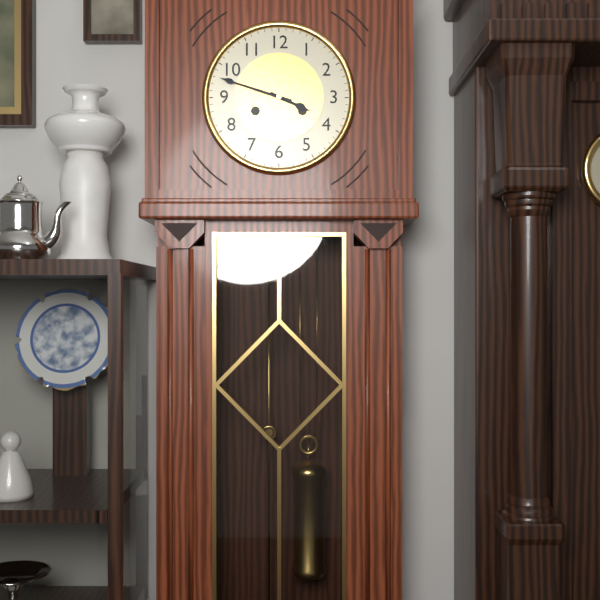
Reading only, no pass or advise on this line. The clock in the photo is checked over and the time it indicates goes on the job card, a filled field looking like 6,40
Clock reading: 3,48
